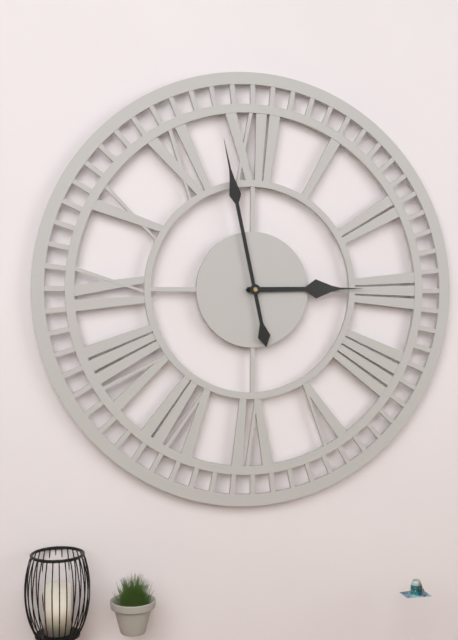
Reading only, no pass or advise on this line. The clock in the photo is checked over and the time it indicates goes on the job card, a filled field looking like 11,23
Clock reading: 2,58
